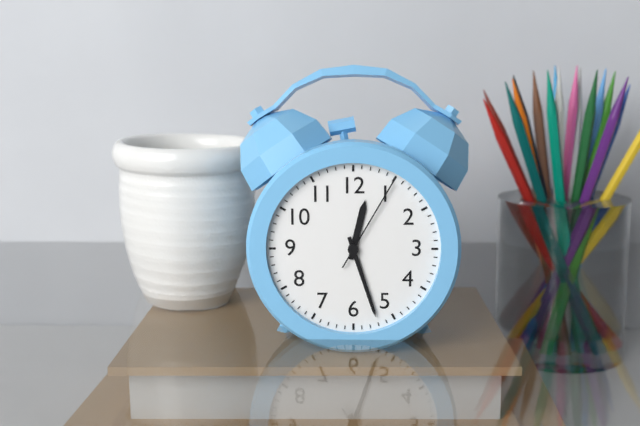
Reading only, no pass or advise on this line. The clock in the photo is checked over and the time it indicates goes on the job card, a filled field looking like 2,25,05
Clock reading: 12,27,05
